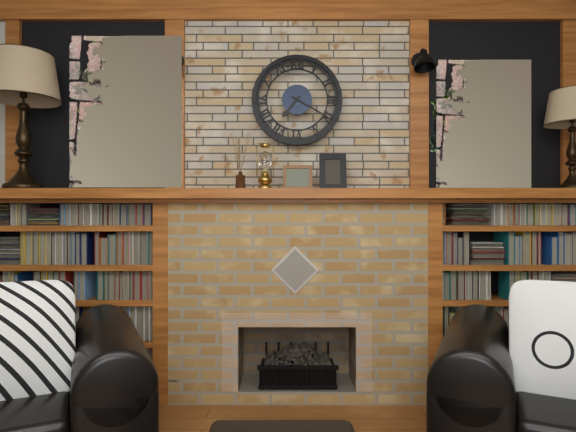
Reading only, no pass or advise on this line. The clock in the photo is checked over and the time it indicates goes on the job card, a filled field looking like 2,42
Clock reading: 7,20
